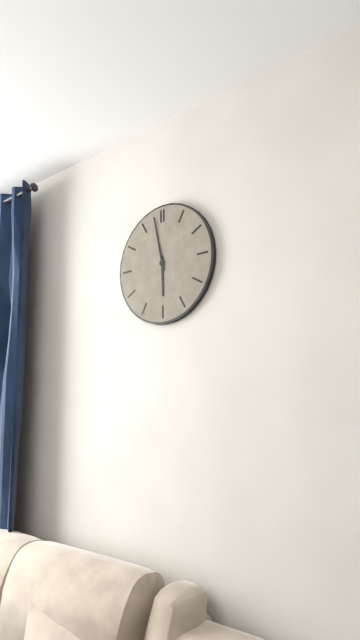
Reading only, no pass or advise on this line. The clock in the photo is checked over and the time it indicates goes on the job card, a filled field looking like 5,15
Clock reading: 5,58
